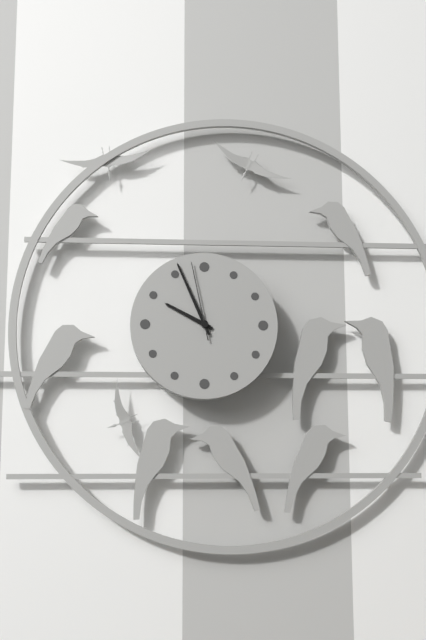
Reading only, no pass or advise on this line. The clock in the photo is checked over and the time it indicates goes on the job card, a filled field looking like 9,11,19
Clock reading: 9,56,58
